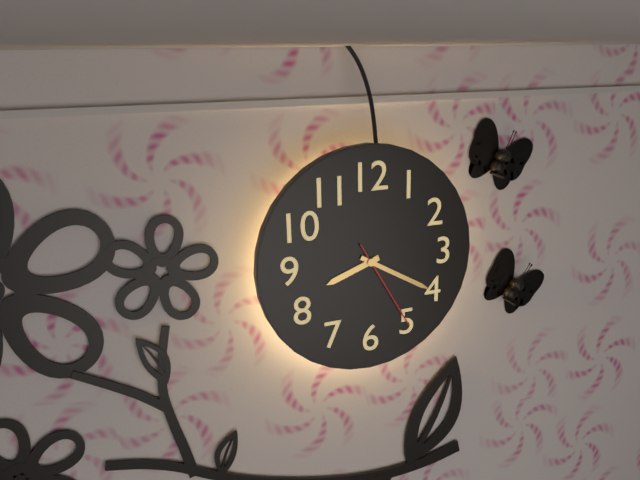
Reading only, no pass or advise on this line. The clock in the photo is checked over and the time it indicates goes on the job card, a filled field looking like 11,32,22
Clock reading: 8,20,25
